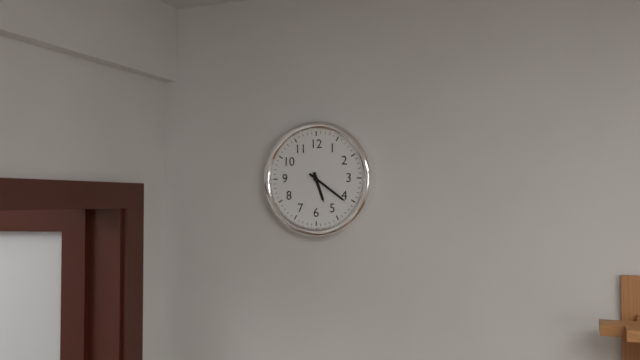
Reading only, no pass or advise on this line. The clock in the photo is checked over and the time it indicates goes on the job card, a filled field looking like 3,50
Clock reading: 5,21
